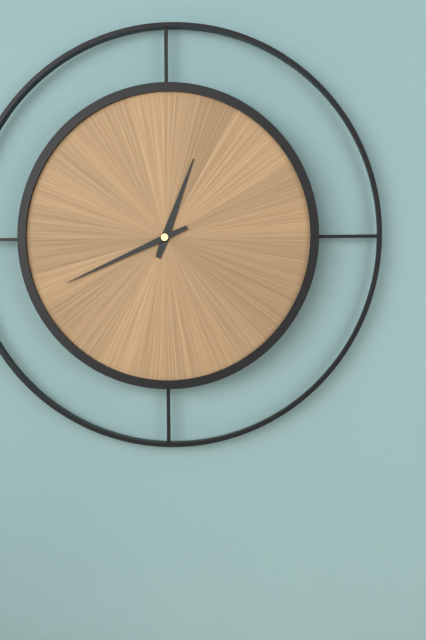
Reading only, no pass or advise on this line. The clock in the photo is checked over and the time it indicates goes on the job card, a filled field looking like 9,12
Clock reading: 12,41
